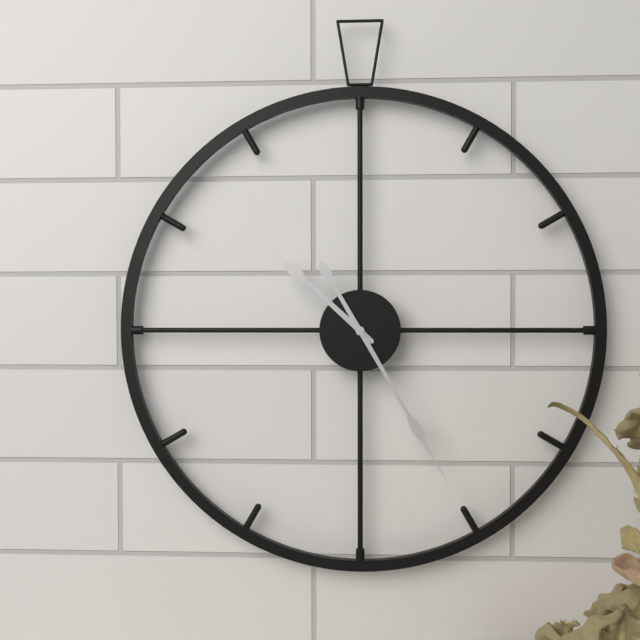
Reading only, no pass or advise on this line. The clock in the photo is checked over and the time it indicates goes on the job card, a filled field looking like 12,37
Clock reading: 10,25
